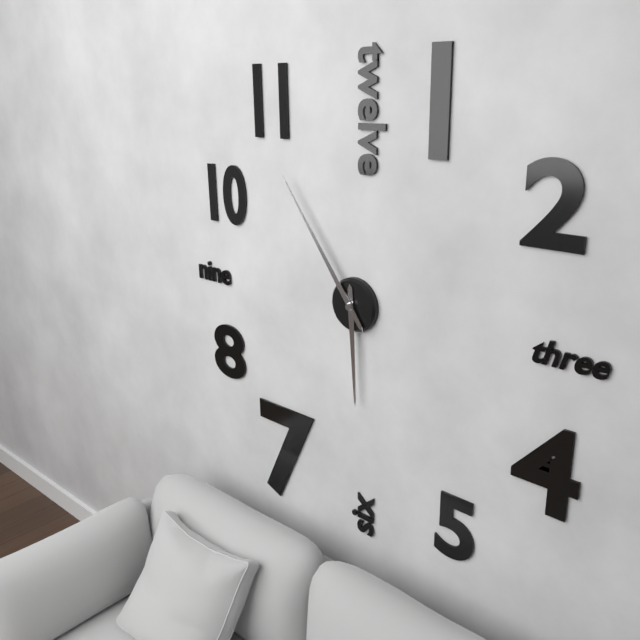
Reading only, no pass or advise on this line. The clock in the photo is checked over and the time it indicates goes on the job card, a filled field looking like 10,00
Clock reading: 5,54
